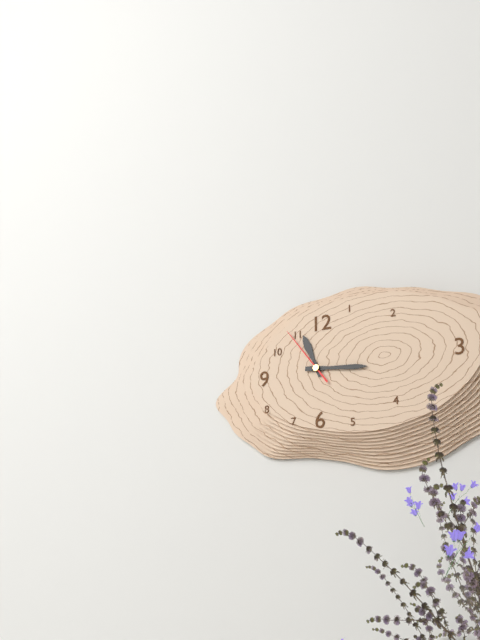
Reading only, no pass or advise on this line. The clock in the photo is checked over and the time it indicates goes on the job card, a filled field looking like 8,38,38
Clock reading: 11,16,54
